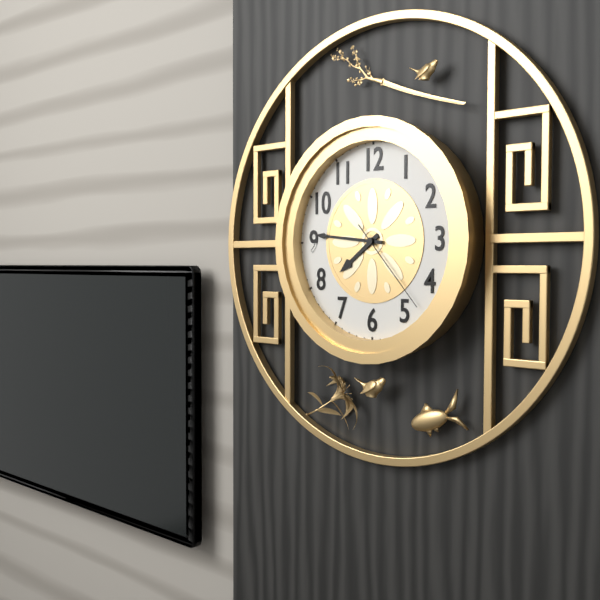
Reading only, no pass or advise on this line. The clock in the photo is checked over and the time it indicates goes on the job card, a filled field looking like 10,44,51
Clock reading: 7,46,23
